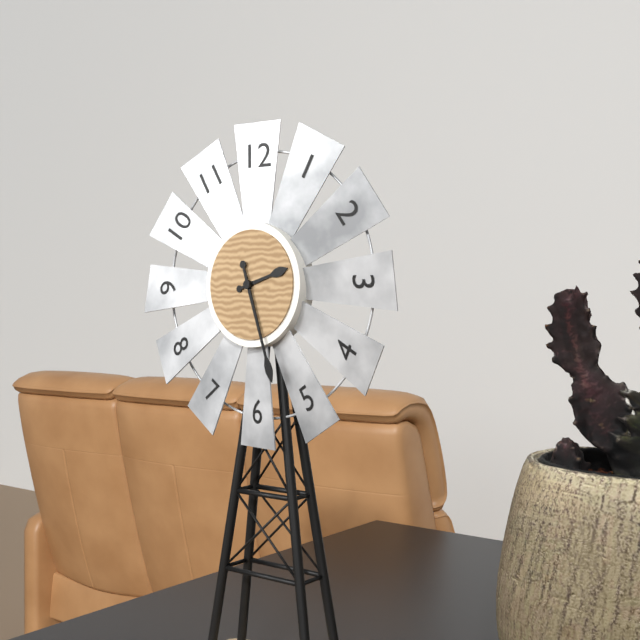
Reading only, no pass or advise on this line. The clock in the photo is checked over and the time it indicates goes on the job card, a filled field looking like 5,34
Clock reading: 2,27
